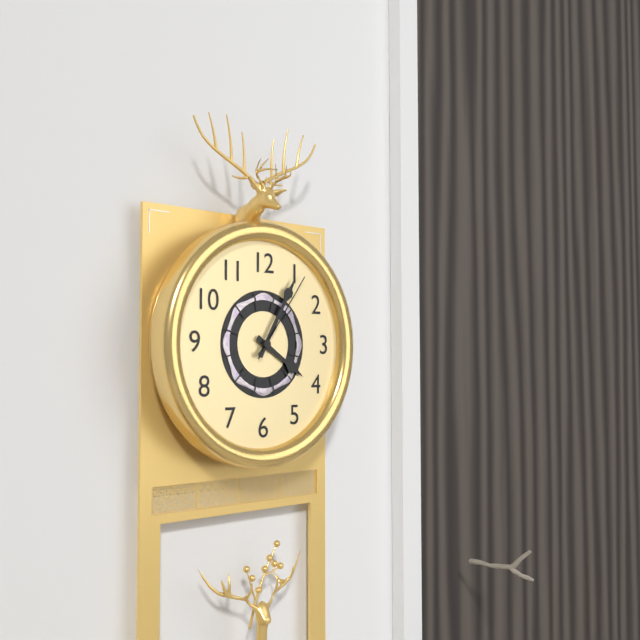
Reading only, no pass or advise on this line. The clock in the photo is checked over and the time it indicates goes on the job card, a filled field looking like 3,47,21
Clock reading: 4,05,06
